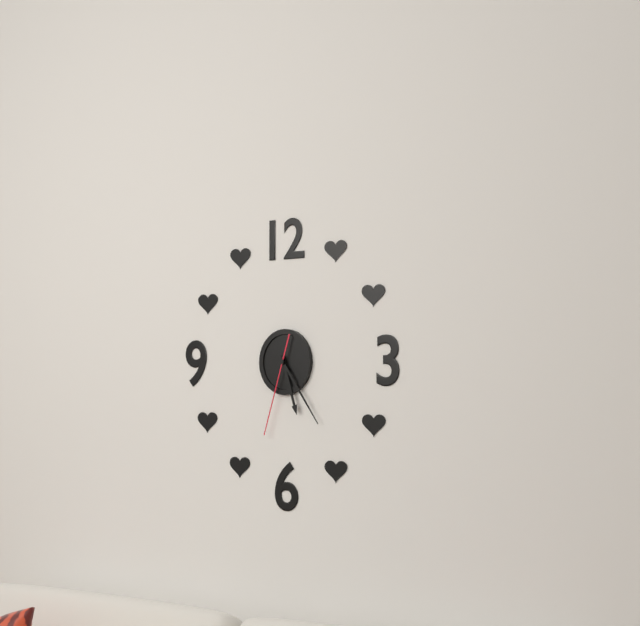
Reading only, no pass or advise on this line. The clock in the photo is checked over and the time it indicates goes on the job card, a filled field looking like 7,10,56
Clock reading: 5,24,33
